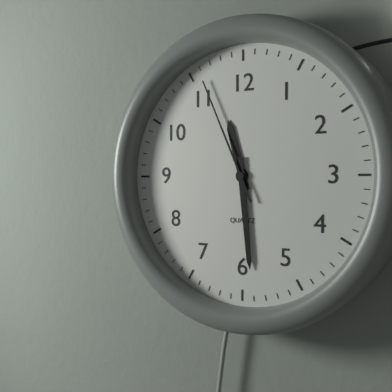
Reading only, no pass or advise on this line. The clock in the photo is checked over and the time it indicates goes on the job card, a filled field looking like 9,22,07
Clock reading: 11,29,56
